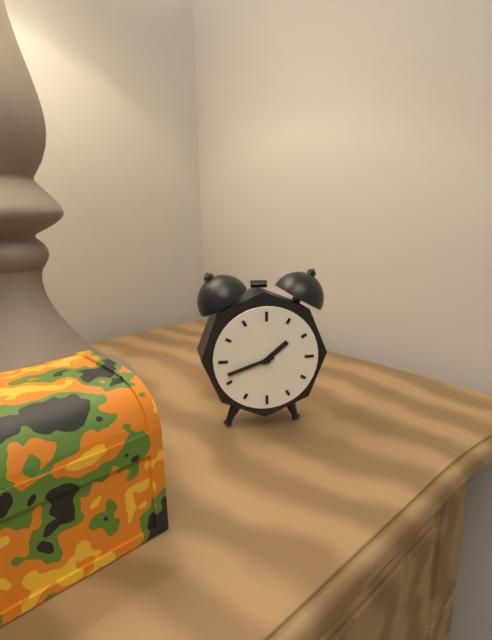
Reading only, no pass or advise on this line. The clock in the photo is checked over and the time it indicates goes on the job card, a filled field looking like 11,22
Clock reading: 1,42
